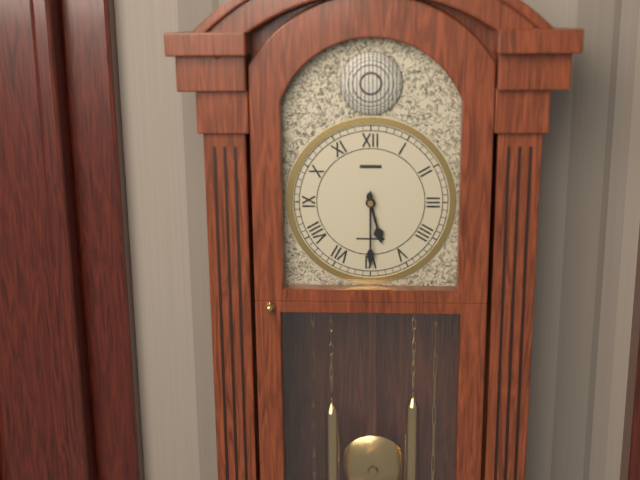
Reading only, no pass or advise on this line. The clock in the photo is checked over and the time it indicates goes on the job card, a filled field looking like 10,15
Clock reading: 5,30
